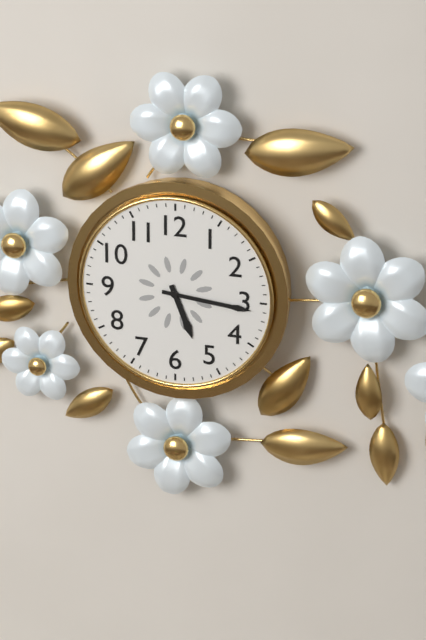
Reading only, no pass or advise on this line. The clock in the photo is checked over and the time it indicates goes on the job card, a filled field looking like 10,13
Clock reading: 5,16
